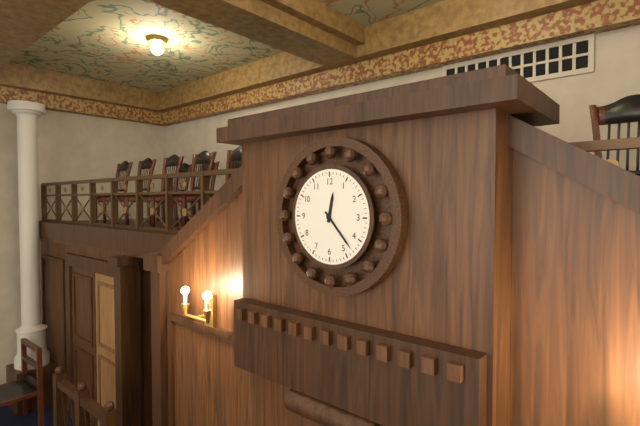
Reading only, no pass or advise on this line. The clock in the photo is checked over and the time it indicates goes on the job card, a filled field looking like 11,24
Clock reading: 12,23
